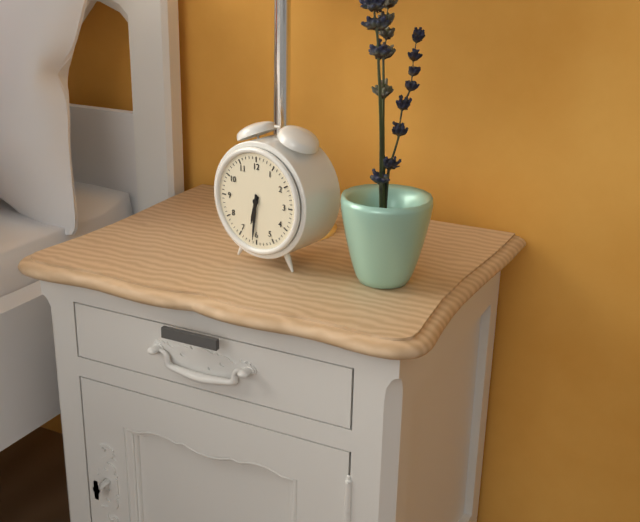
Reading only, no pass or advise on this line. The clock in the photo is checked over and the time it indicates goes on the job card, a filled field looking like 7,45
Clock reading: 6,31
